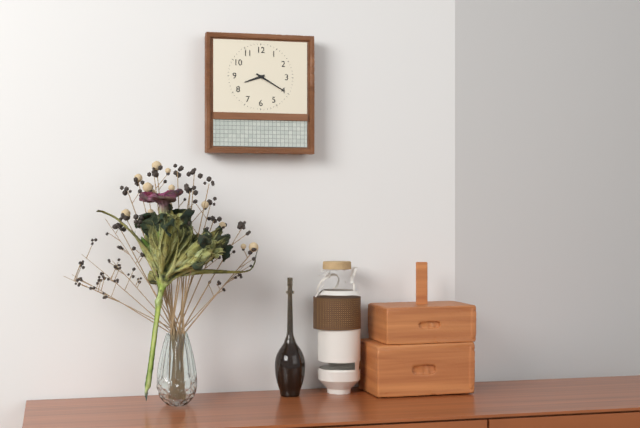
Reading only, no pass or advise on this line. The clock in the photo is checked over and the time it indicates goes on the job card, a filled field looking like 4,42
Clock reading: 8,20
